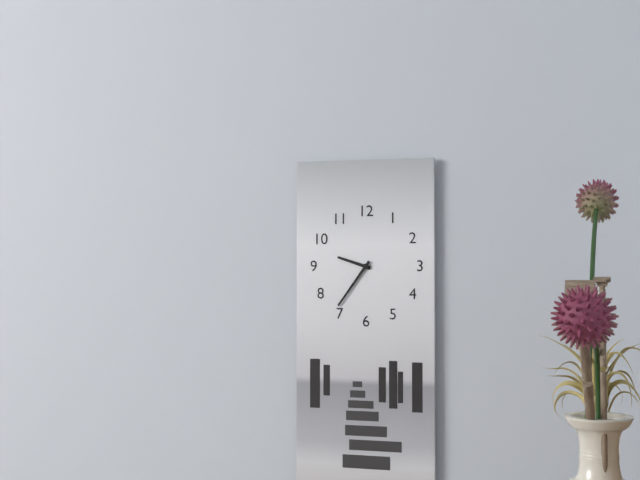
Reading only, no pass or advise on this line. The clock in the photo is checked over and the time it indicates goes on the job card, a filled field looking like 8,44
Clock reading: 9,36
